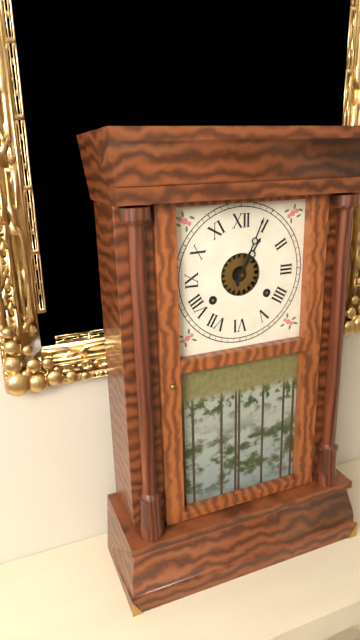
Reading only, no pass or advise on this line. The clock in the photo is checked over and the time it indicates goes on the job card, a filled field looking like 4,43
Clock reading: 1,04
